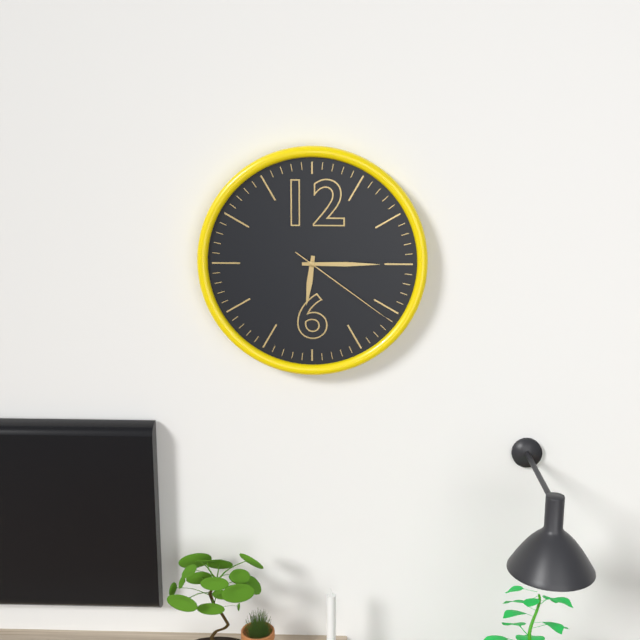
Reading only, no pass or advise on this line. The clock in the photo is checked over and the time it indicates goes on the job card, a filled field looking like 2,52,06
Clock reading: 6,15,21
